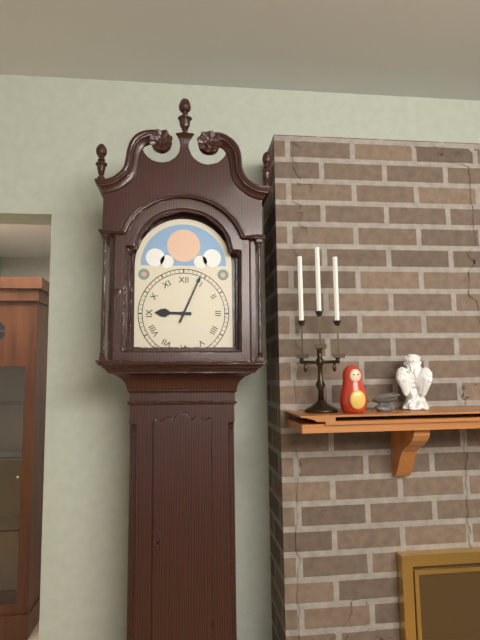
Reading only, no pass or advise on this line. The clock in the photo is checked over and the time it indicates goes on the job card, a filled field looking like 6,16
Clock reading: 9,04
